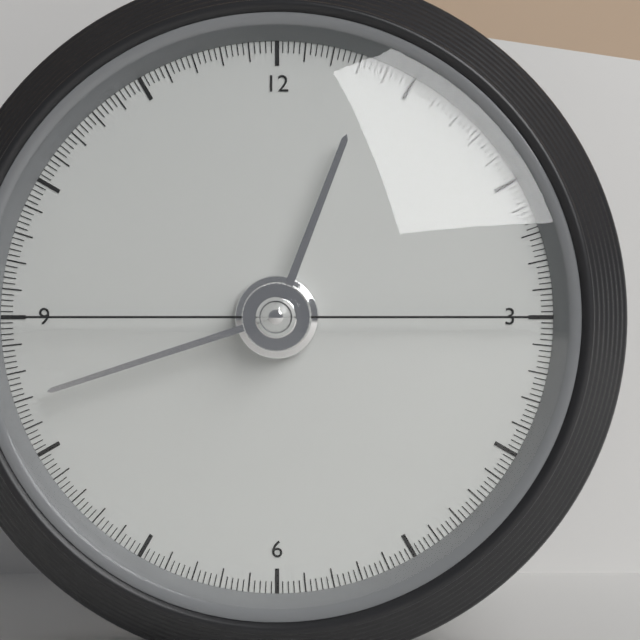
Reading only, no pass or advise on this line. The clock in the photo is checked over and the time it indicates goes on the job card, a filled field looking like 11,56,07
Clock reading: 12,42,45
